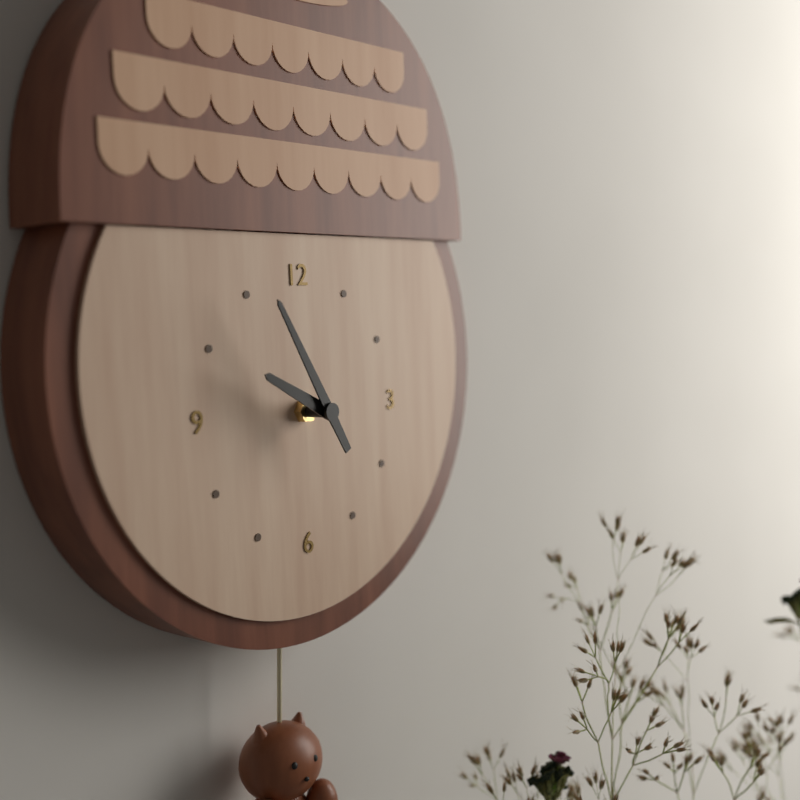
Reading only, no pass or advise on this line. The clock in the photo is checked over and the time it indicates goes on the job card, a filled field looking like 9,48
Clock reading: 9,55
